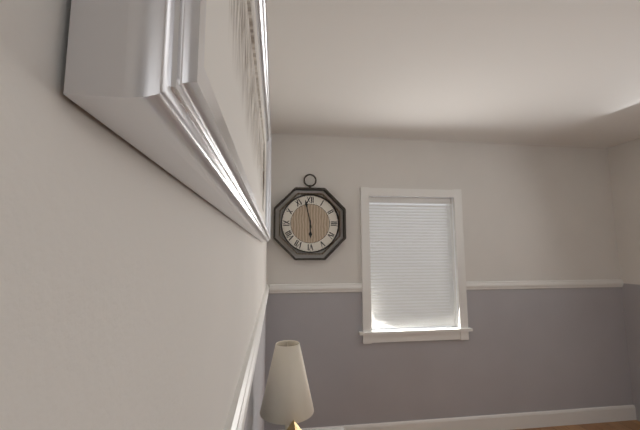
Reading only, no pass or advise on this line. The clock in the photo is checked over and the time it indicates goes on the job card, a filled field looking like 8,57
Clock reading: 5,58
